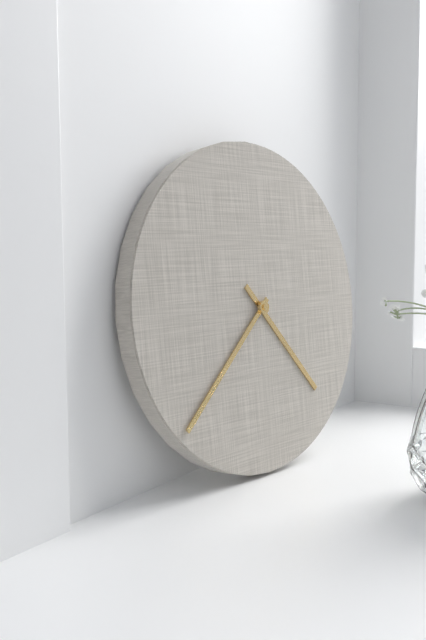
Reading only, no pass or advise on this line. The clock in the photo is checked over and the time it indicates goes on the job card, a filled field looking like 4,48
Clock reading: 4,38
